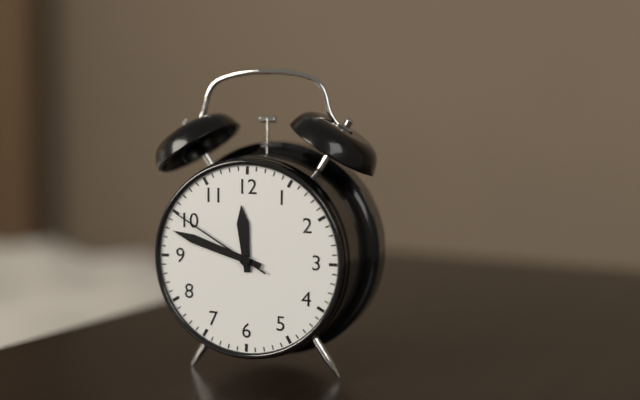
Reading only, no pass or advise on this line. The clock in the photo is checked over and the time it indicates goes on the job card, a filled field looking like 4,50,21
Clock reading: 11,48,50
